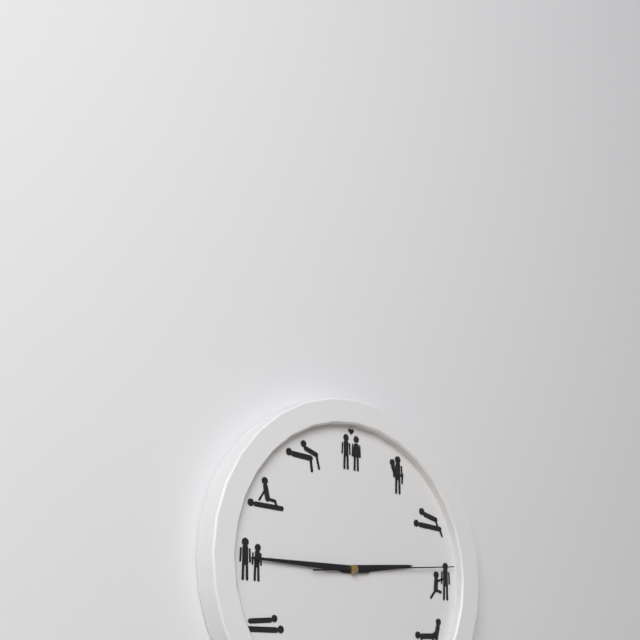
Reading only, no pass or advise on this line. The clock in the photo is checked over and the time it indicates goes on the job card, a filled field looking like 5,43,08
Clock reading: 2,45,14
